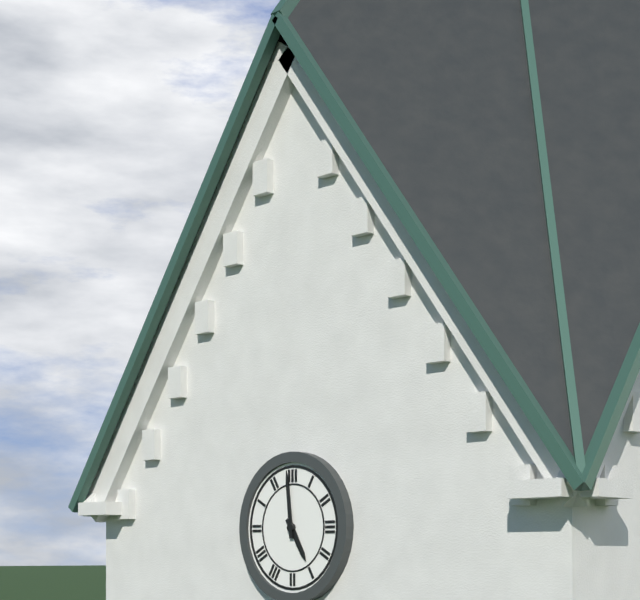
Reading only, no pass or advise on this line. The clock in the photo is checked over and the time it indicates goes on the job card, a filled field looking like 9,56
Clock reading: 4,59
